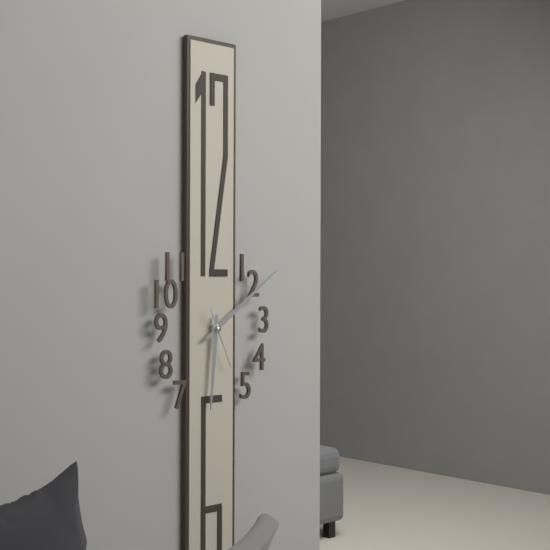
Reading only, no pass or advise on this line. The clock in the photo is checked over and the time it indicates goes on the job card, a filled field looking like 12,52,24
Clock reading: 6,09,26
